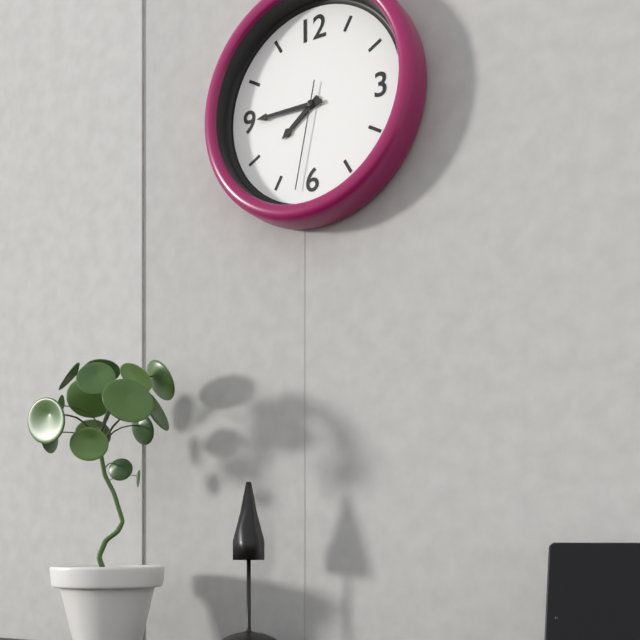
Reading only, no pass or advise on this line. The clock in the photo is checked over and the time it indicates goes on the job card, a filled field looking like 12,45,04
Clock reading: 7,45,32
